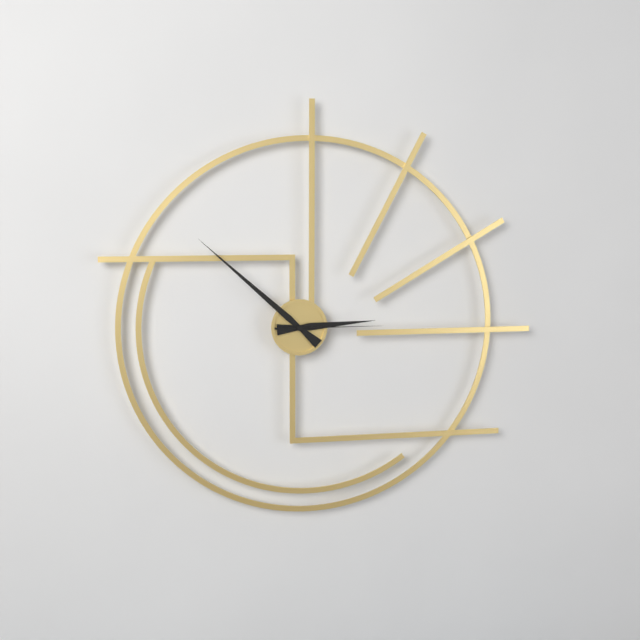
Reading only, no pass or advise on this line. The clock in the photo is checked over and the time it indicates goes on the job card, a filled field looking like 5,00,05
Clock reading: 2,52,15
